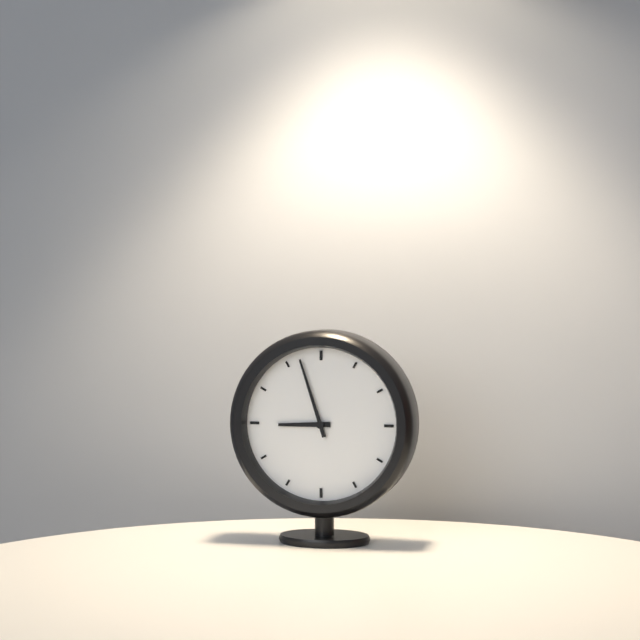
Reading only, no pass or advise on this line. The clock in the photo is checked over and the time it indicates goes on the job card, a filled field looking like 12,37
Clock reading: 8,57
